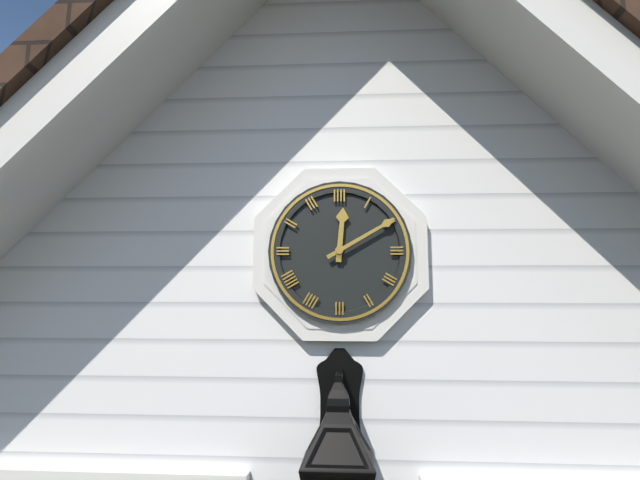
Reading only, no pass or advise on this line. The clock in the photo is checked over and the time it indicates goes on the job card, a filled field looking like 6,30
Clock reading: 12,10
